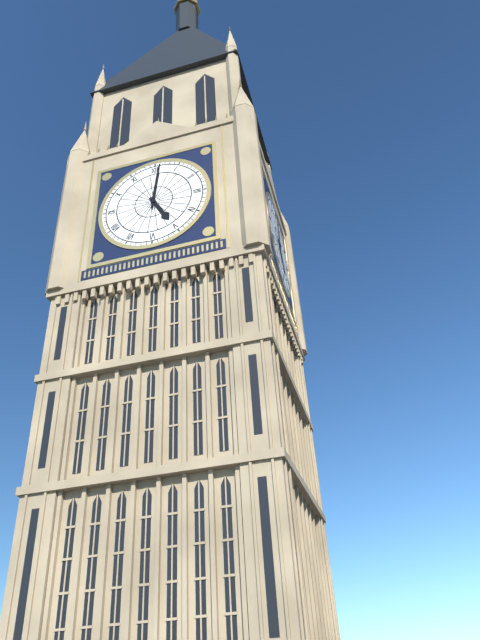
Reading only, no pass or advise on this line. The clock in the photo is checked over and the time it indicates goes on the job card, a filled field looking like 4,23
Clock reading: 5,01
